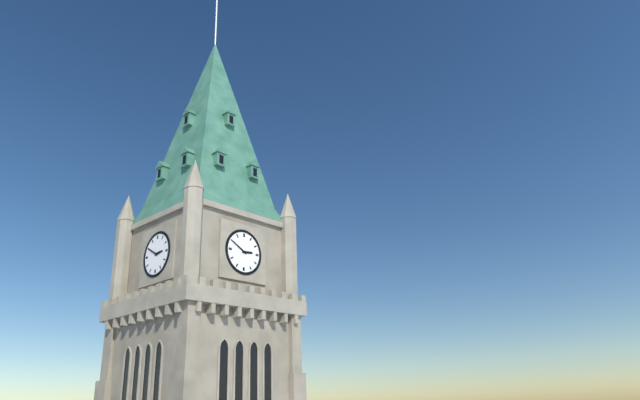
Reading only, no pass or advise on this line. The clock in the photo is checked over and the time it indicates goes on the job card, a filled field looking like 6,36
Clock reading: 2,50
